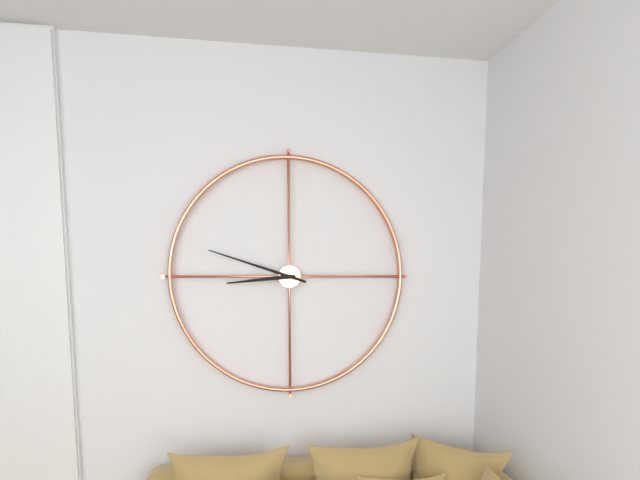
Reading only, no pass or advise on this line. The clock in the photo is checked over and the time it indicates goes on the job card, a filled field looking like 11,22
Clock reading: 8,48
